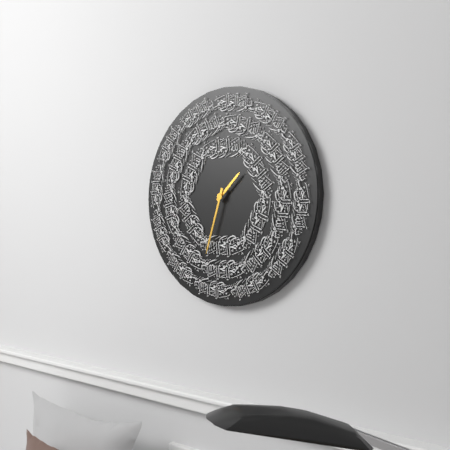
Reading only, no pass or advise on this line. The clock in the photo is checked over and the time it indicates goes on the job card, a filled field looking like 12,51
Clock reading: 1,33
